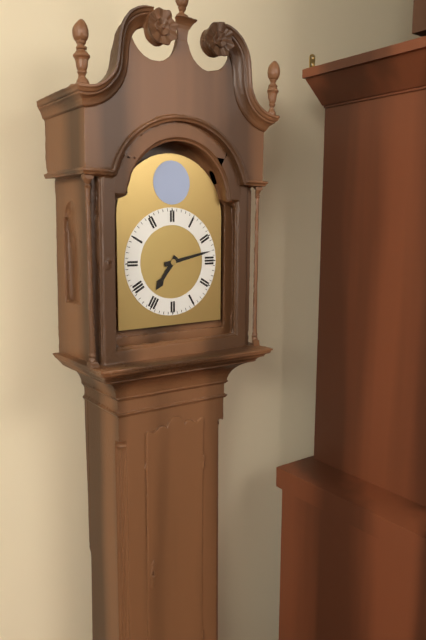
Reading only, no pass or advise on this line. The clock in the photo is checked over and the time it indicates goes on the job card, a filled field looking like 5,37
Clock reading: 7,13
